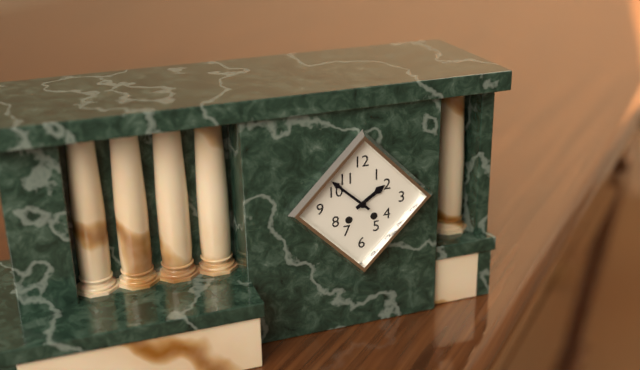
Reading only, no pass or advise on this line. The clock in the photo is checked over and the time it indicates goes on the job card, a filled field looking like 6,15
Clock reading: 1,52
